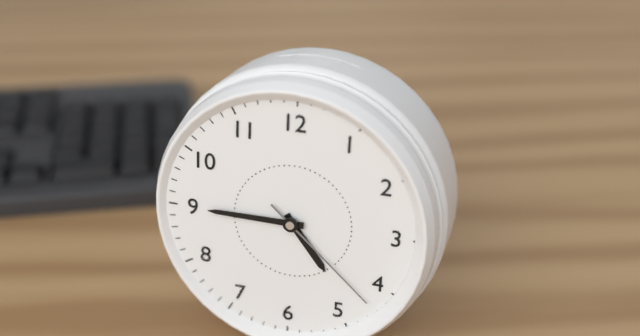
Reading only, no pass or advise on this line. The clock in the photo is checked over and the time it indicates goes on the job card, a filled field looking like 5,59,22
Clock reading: 4,45,22
